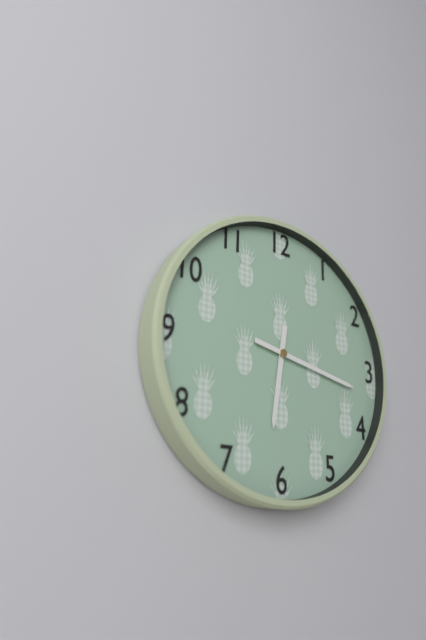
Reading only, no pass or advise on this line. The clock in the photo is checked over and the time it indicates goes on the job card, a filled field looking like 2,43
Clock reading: 6,17
